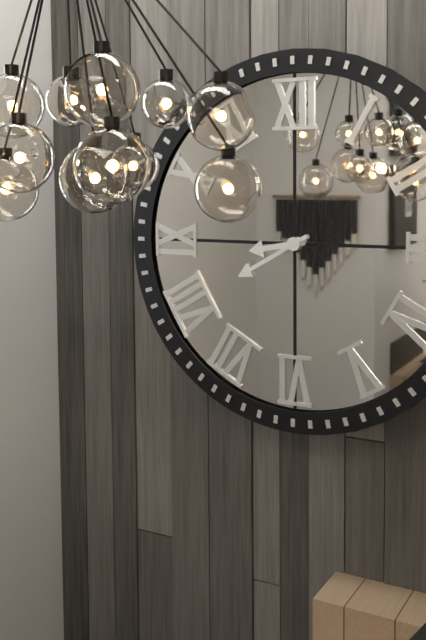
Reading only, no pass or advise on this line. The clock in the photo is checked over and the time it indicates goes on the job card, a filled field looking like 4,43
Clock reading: 8,40
